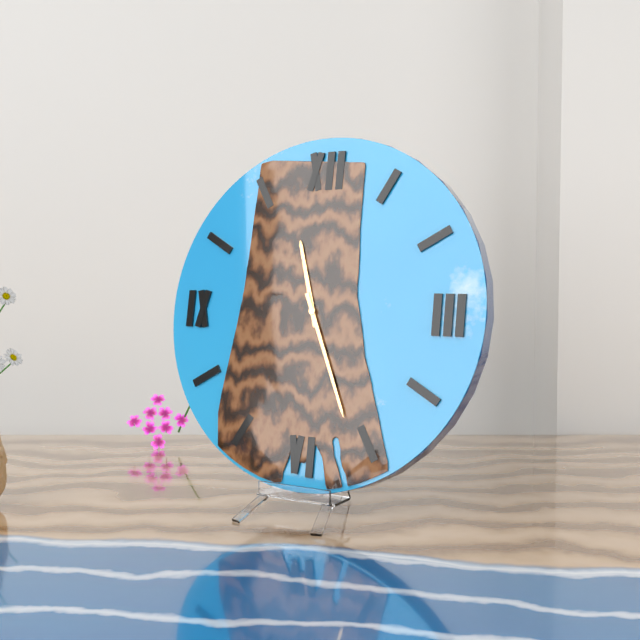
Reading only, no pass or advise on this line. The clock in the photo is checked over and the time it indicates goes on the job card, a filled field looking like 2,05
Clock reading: 11,26
